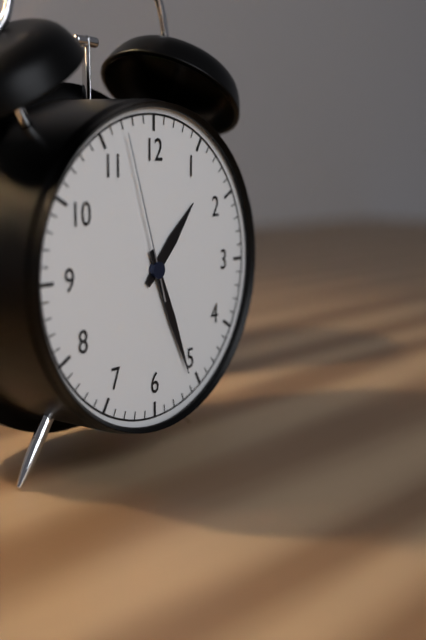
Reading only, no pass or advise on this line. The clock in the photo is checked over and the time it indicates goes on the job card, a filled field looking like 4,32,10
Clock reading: 1,26,57
